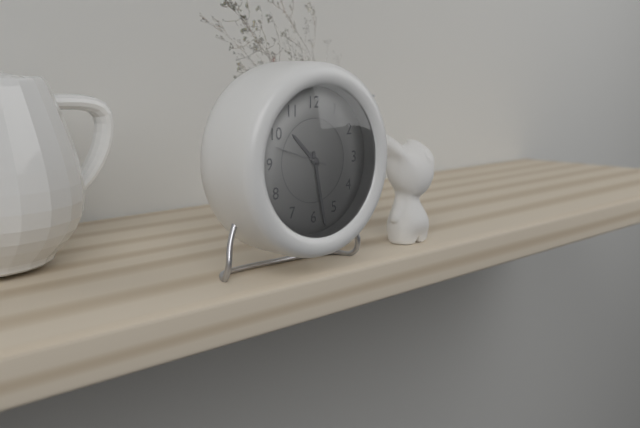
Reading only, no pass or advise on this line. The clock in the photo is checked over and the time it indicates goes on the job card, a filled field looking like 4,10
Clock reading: 10,28
